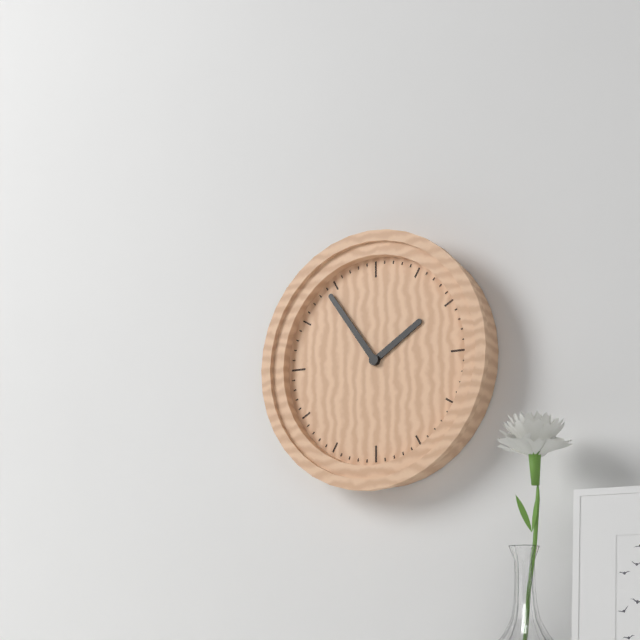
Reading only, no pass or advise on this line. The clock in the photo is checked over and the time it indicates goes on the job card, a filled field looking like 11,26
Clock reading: 1,54
